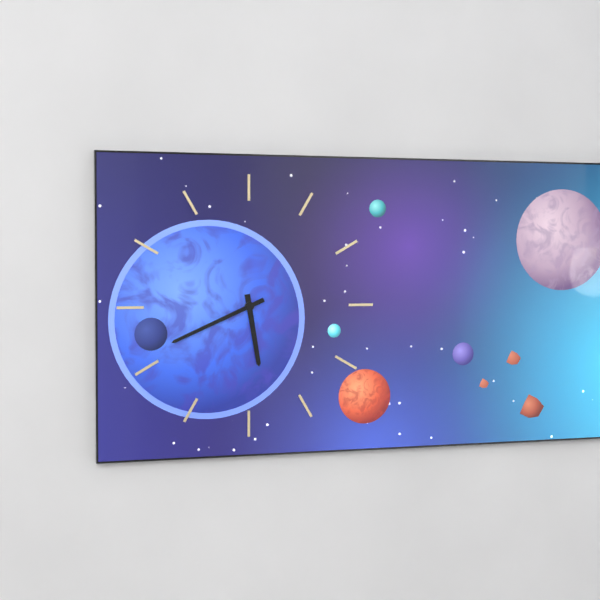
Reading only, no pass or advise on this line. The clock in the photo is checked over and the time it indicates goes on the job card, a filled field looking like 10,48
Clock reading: 5,41
